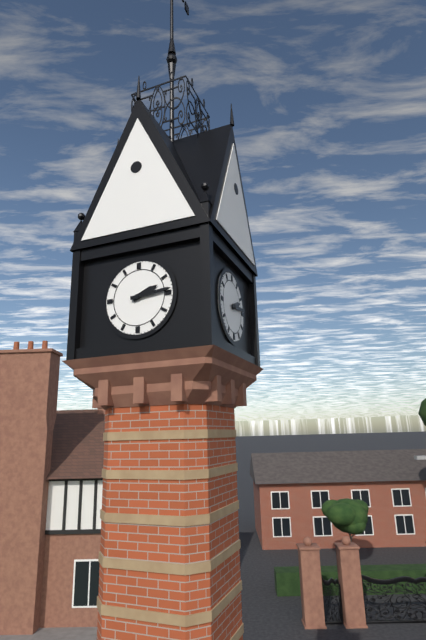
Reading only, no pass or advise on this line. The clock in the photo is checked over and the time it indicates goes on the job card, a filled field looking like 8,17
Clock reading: 2,14
